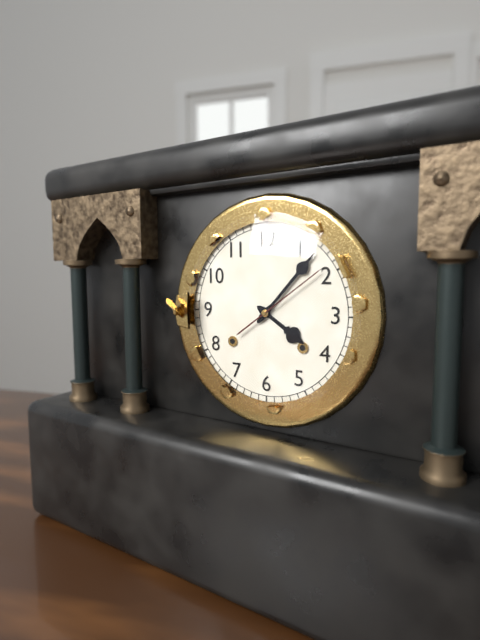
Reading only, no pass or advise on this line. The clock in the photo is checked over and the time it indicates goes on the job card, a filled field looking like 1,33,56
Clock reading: 4,07,09
